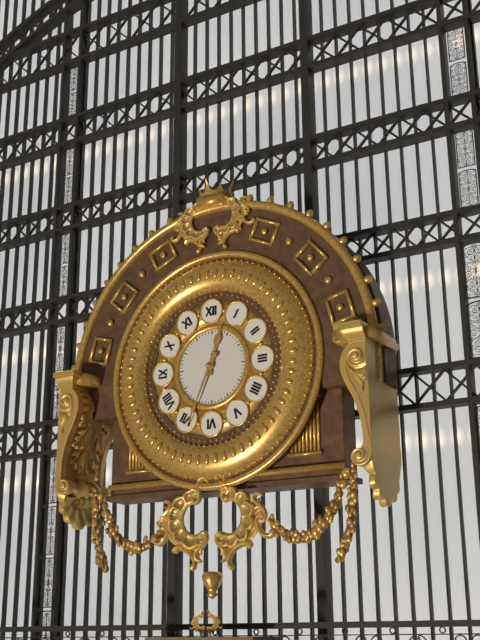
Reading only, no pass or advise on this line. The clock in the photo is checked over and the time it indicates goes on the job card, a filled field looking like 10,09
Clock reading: 12,34
